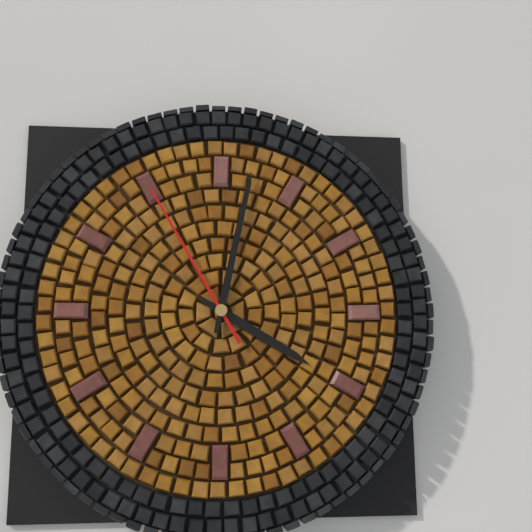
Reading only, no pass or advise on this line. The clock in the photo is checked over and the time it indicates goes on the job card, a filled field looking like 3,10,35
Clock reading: 4,02,55
